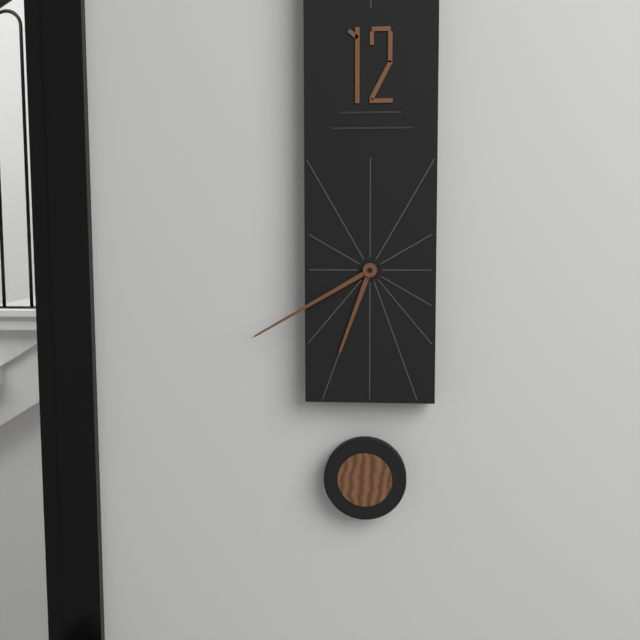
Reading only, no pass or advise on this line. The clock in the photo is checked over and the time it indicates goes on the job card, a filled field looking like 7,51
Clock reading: 6,40
